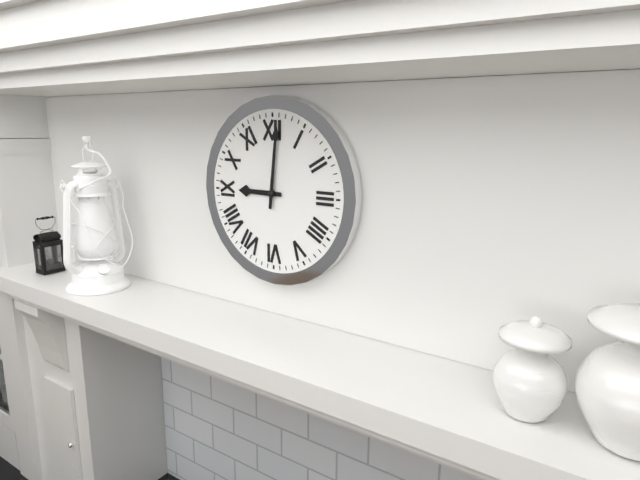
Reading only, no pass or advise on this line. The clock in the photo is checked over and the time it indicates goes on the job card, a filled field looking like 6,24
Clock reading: 9,01
